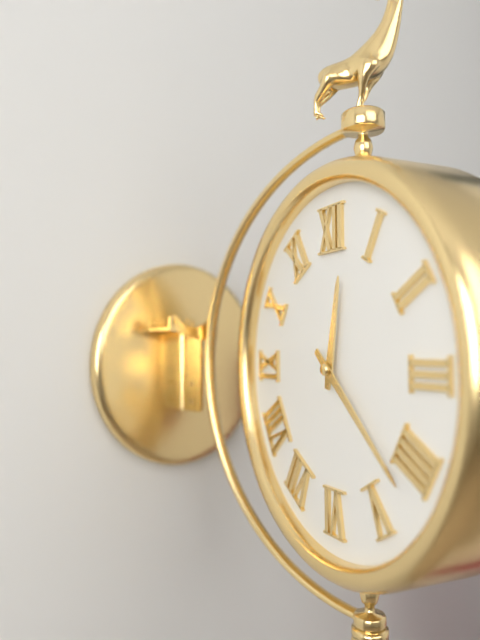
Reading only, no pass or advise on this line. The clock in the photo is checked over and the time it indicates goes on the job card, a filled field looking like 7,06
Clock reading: 12,22
